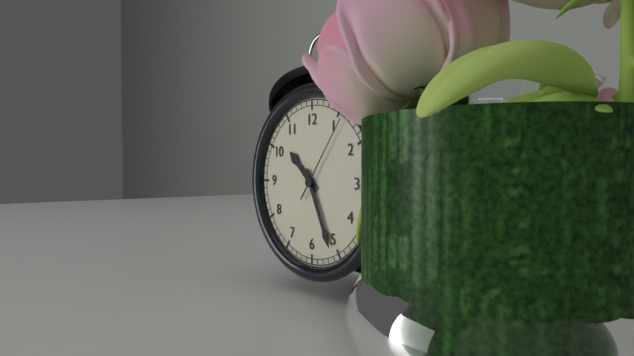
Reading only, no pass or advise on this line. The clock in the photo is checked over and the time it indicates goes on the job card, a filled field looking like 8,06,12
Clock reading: 10,26,06
